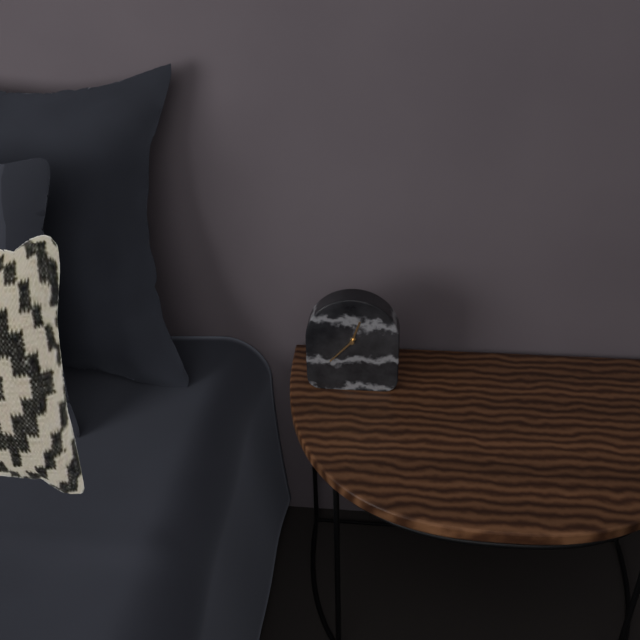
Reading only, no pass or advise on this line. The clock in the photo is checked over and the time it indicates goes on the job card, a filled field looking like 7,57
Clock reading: 12,37
